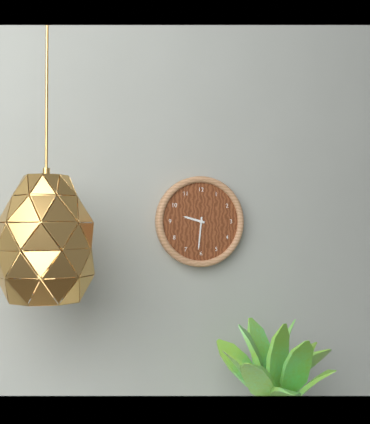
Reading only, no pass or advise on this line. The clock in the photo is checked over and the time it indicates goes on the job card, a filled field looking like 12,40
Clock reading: 9,31
